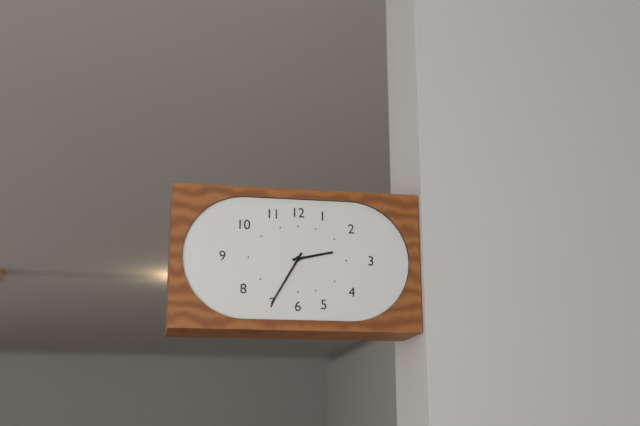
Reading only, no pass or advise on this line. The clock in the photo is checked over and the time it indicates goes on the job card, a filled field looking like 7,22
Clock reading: 2,35
